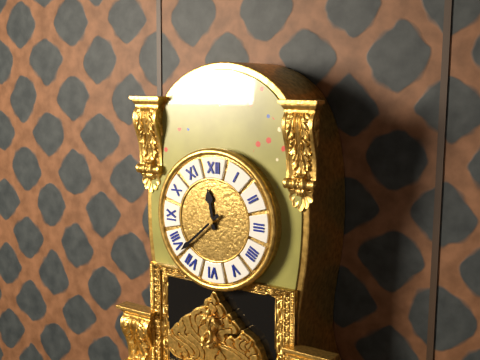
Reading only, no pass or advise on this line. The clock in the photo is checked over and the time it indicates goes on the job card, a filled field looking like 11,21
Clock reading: 11,38
